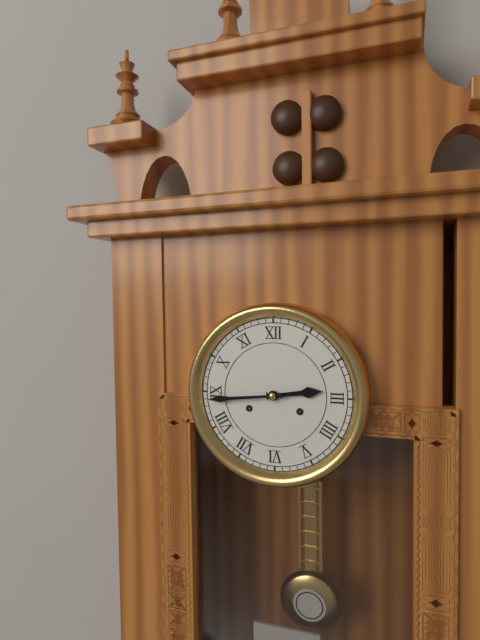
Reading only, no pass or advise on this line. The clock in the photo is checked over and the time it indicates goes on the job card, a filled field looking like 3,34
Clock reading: 2,44
